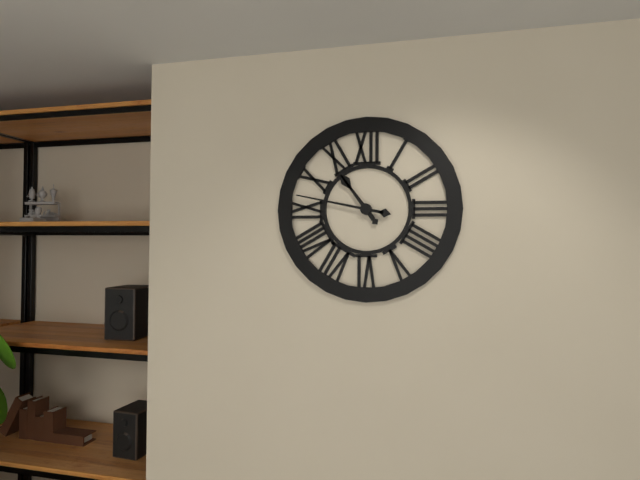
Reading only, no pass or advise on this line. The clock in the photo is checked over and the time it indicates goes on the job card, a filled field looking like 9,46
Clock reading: 10,47
